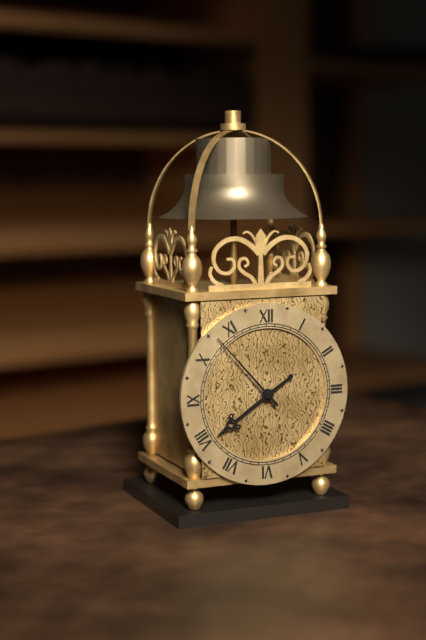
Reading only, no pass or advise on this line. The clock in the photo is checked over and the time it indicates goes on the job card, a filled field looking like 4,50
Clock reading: 7,53
